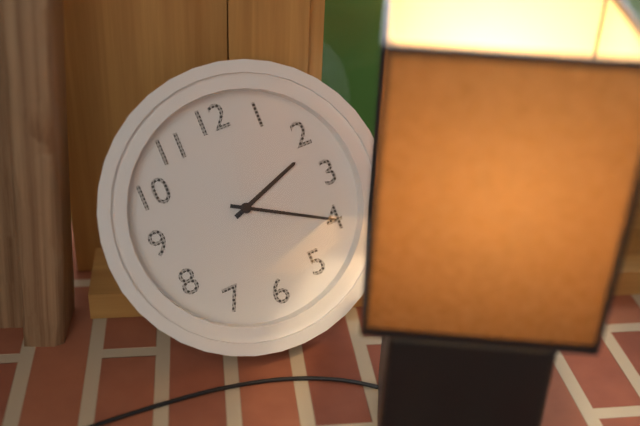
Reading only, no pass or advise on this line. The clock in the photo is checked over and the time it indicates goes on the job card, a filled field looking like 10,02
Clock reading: 2,20
